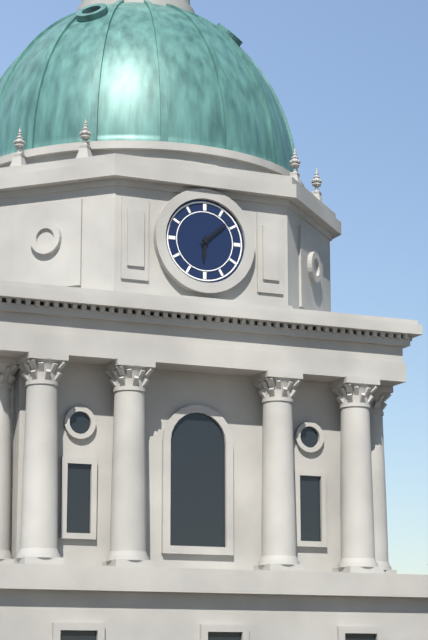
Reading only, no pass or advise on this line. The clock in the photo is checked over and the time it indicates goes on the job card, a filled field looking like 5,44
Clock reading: 6,08
